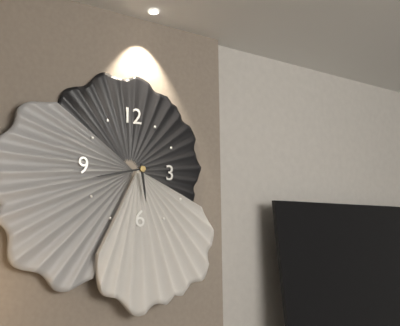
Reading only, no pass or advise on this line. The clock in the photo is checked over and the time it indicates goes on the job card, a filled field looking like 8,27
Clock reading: 5,43
